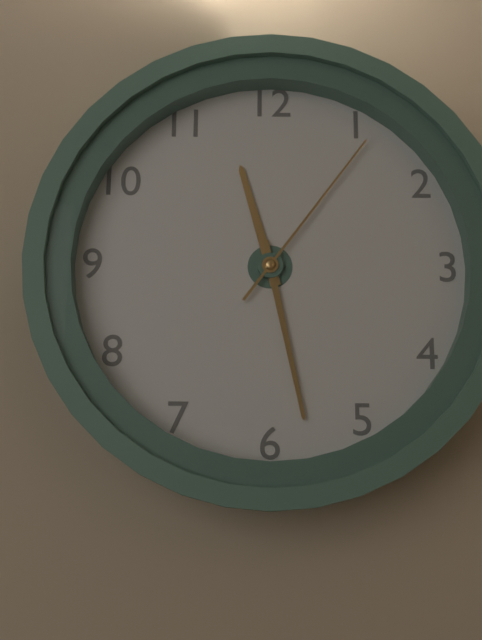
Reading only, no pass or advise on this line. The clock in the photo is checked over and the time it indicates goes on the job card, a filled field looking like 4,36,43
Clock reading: 11,28,06
